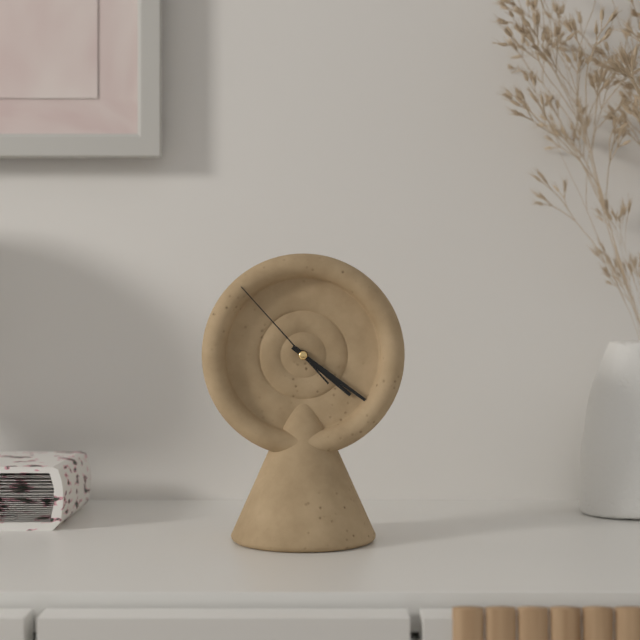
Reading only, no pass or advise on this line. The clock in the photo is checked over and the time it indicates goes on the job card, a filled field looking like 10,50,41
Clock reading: 4,21,53
